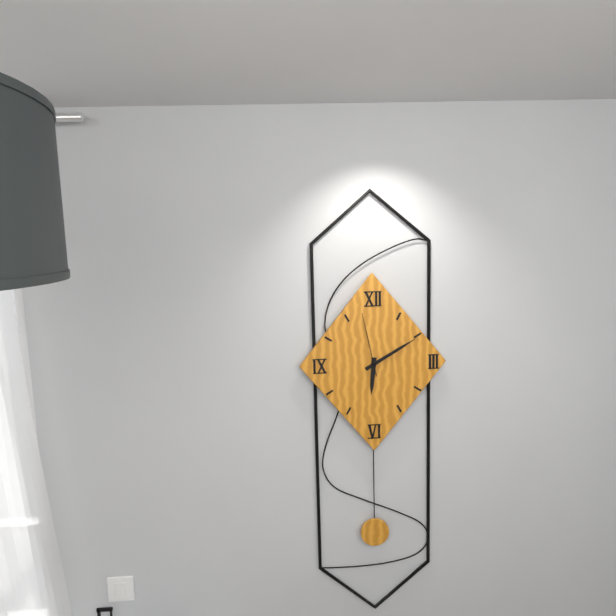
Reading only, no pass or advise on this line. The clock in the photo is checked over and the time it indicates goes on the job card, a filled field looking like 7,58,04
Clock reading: 6,10,58
